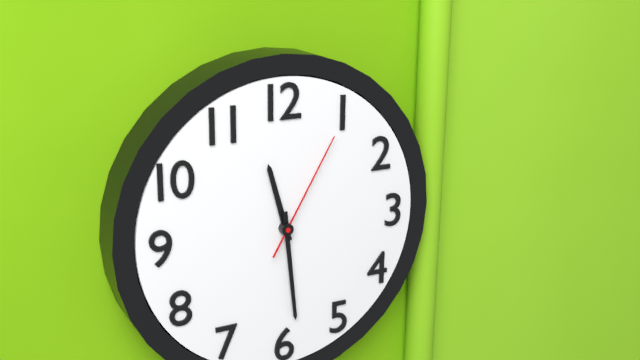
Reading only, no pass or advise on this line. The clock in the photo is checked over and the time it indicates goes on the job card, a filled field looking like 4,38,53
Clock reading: 11,29,05
